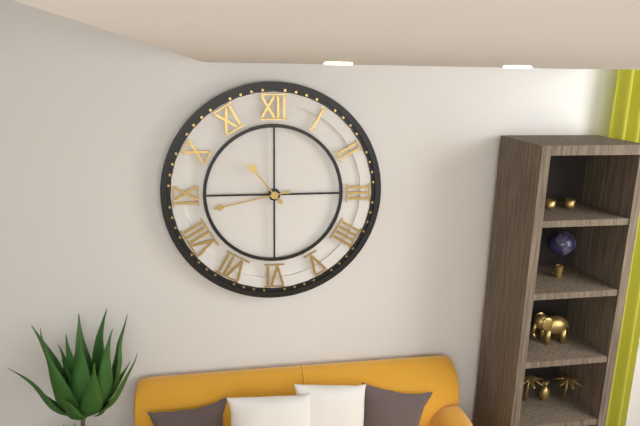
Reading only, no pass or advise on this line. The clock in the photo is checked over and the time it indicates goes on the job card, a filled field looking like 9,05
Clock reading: 10,43
